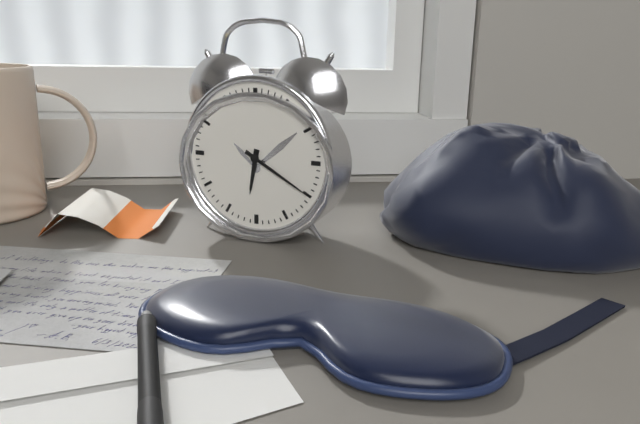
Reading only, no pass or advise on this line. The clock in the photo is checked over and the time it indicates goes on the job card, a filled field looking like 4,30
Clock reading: 6,20
